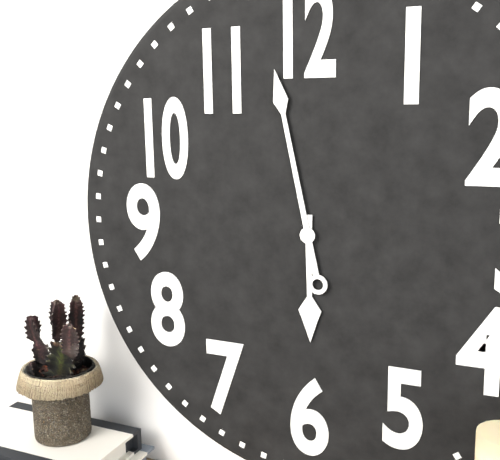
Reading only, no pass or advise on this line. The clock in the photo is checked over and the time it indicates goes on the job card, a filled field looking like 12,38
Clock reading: 5,58
